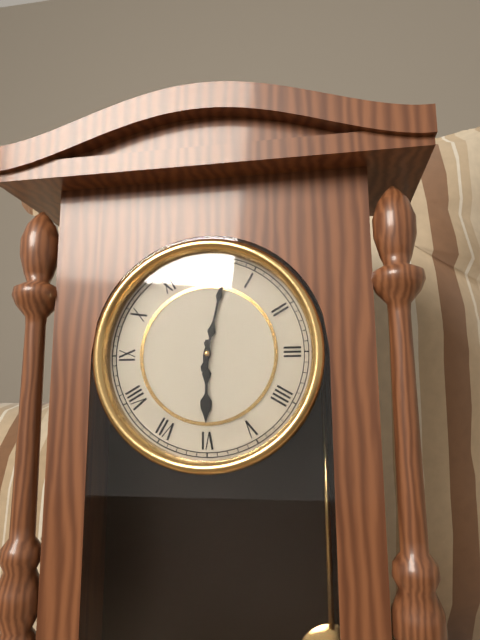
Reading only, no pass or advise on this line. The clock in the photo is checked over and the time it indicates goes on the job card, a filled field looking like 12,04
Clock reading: 6,02
